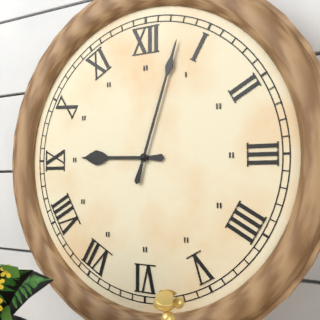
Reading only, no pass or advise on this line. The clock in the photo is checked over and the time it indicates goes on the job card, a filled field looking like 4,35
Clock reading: 9,03
